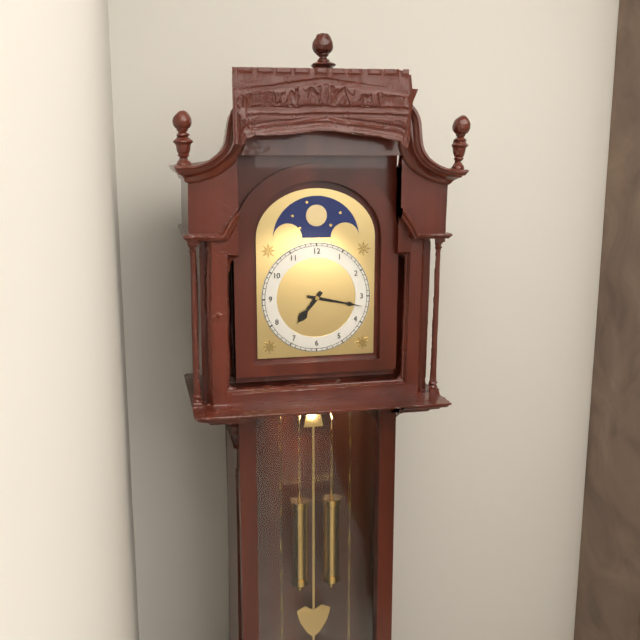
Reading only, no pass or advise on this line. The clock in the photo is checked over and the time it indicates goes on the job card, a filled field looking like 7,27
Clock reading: 7,17
